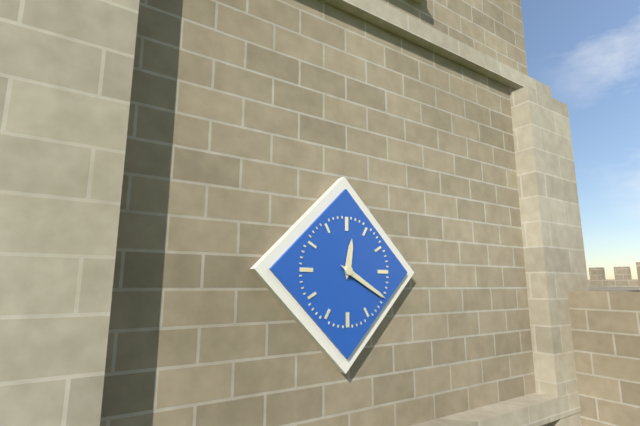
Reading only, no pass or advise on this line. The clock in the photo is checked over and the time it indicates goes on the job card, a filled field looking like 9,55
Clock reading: 12,20
